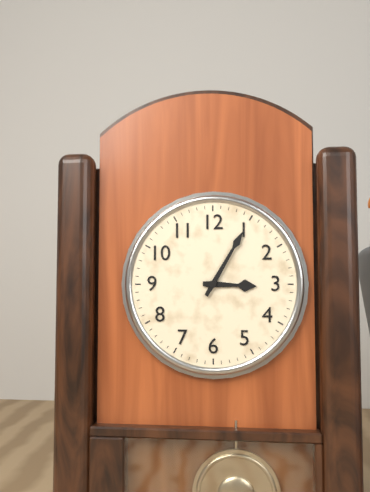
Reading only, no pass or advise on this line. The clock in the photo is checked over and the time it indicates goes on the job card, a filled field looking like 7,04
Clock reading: 3,05
